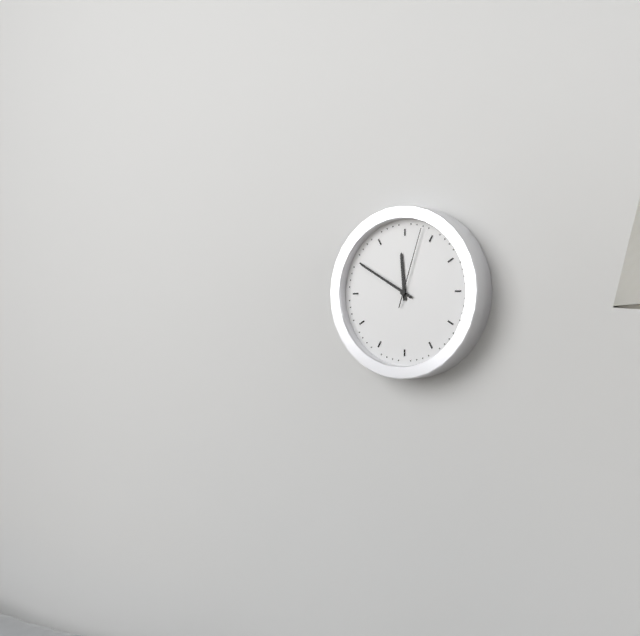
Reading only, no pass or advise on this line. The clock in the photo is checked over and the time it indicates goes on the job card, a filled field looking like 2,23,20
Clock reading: 11,50,03
